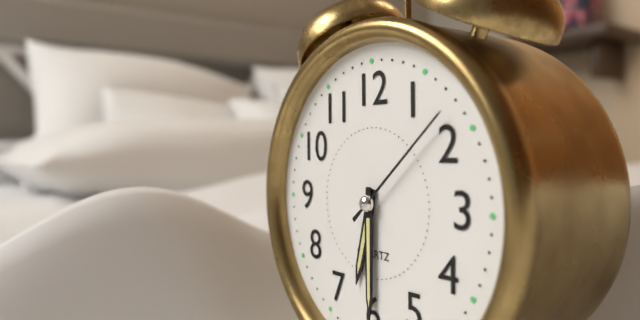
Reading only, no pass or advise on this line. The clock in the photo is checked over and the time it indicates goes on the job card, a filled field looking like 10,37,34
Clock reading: 6,30,08
